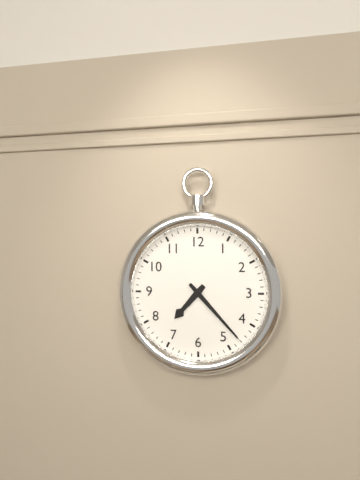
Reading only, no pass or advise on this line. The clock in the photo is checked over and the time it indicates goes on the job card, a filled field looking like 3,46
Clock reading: 7,23
